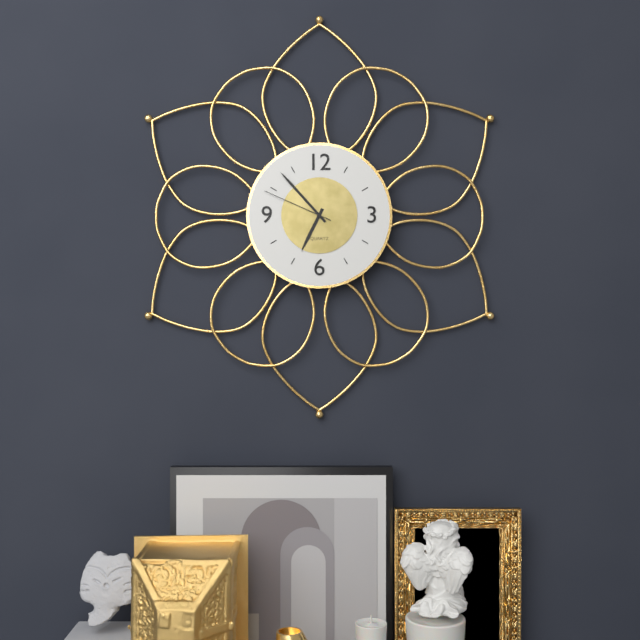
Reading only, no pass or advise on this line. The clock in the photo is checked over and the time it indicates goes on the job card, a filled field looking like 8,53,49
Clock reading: 6,53,49
